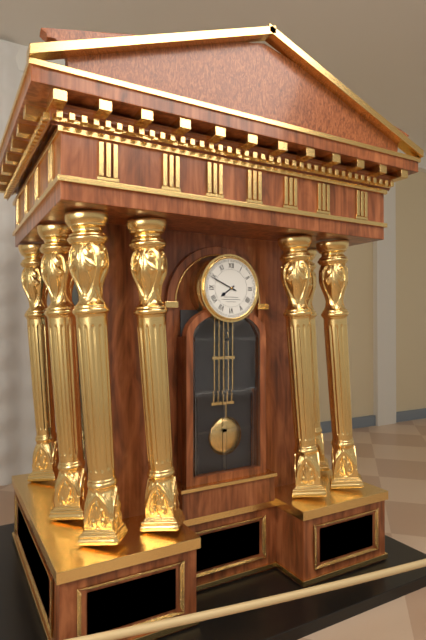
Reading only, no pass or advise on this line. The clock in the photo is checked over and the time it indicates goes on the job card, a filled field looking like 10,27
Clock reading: 7,49
